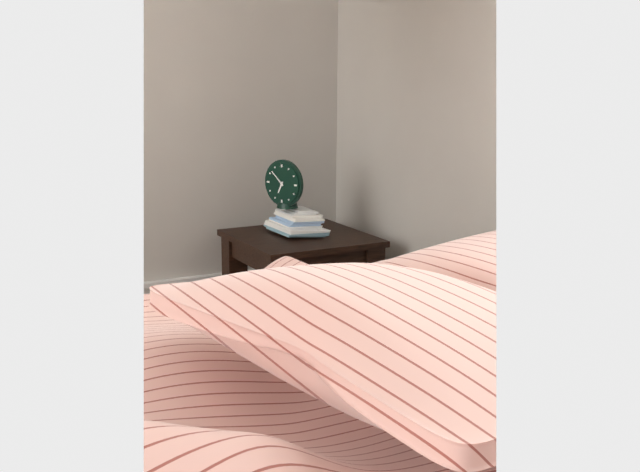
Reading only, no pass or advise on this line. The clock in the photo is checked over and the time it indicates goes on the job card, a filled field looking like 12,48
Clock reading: 6,52
